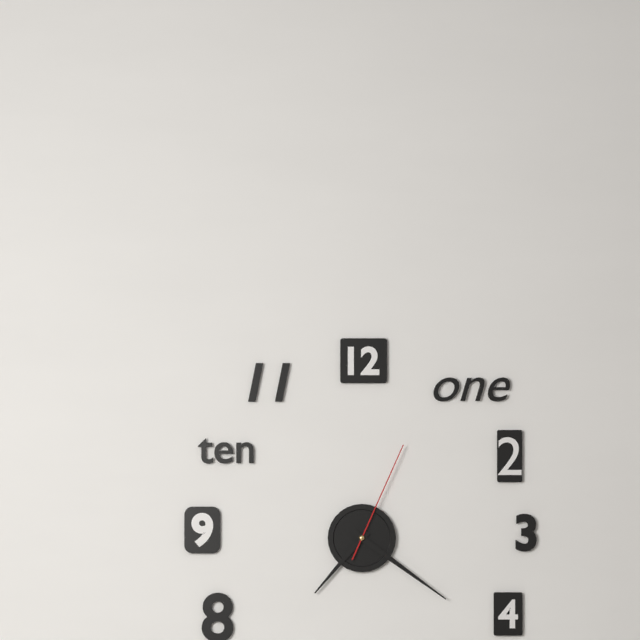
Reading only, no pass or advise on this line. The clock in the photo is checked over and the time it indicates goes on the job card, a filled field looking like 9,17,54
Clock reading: 7,21,04
